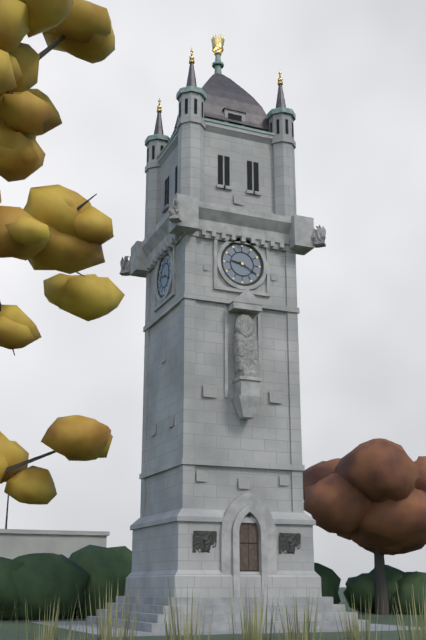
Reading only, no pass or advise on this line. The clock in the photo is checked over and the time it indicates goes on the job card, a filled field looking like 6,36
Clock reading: 9,20
